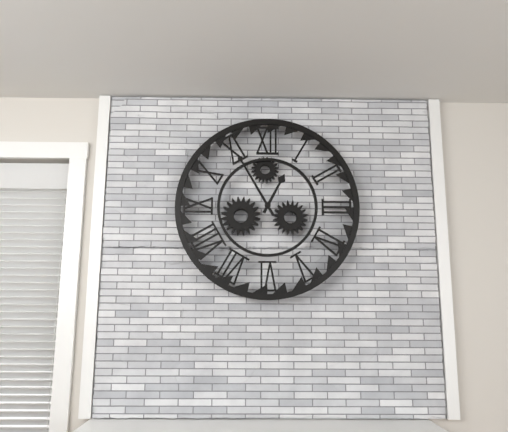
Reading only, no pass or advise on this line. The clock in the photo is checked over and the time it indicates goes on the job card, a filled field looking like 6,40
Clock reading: 12,55
